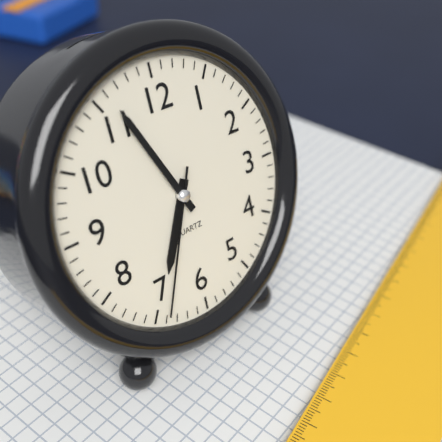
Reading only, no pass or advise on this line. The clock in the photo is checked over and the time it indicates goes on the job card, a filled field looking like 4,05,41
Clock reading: 6,56,34
